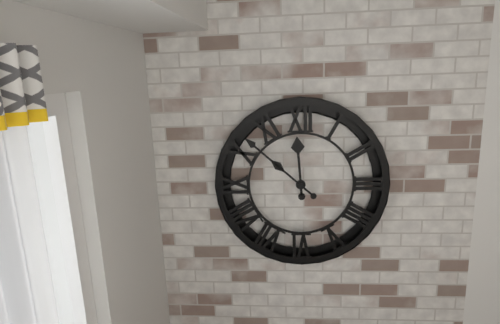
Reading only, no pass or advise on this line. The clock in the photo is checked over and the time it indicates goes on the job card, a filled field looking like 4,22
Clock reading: 11,52
